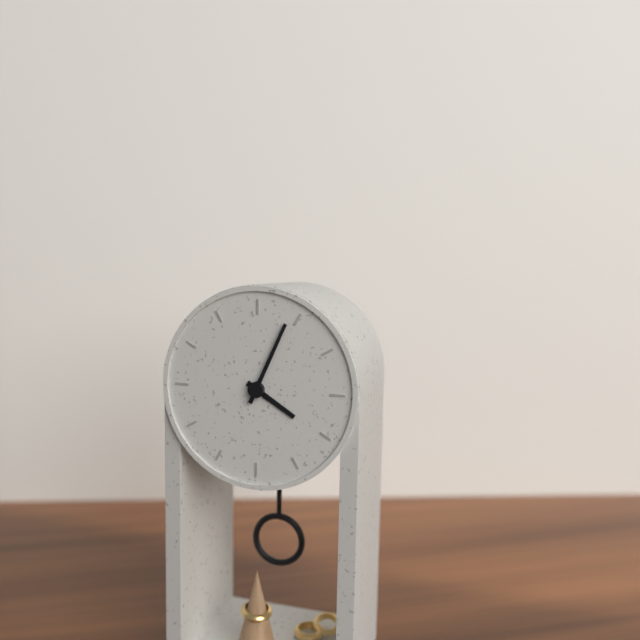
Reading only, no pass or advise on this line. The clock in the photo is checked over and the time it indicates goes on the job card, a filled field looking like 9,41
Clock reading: 4,04
